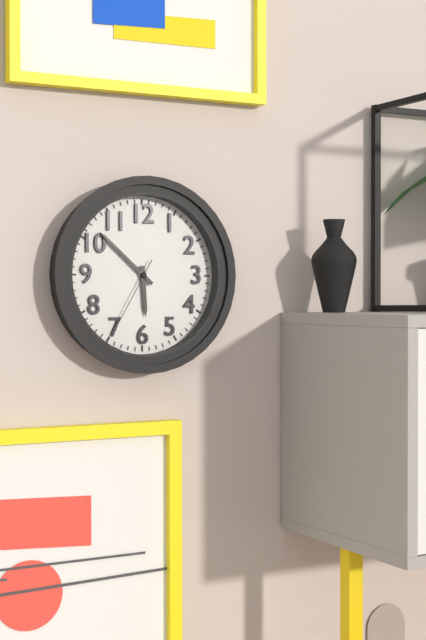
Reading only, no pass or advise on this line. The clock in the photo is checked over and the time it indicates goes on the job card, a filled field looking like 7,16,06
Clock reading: 5,52,35
